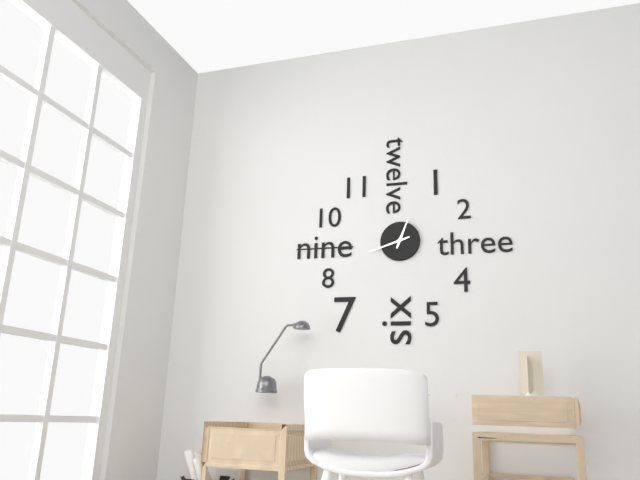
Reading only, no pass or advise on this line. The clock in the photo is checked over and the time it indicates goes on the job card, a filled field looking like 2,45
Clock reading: 12,42
